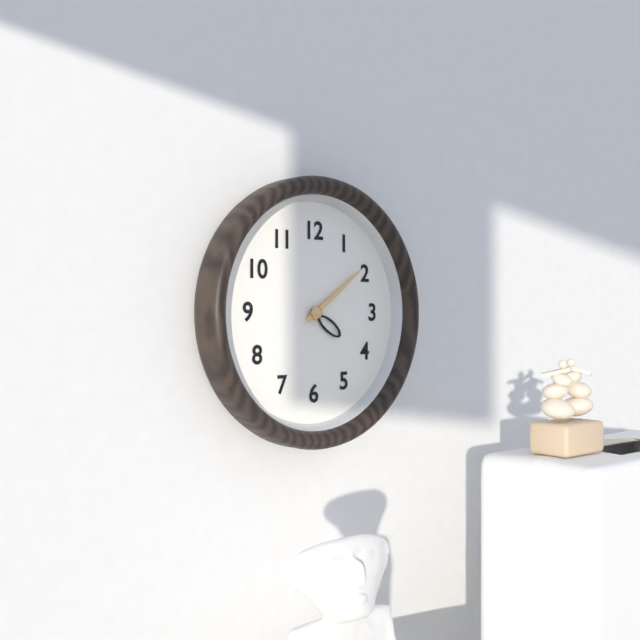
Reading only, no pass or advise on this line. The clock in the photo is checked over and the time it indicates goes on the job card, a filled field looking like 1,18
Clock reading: 4,09
